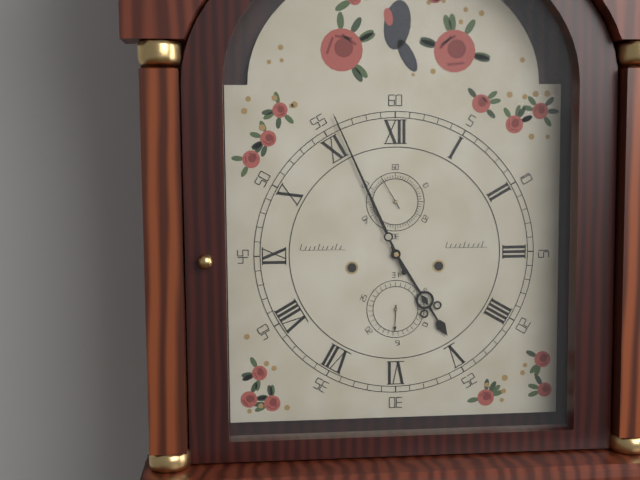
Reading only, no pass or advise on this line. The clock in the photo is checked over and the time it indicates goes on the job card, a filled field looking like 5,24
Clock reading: 4,56
